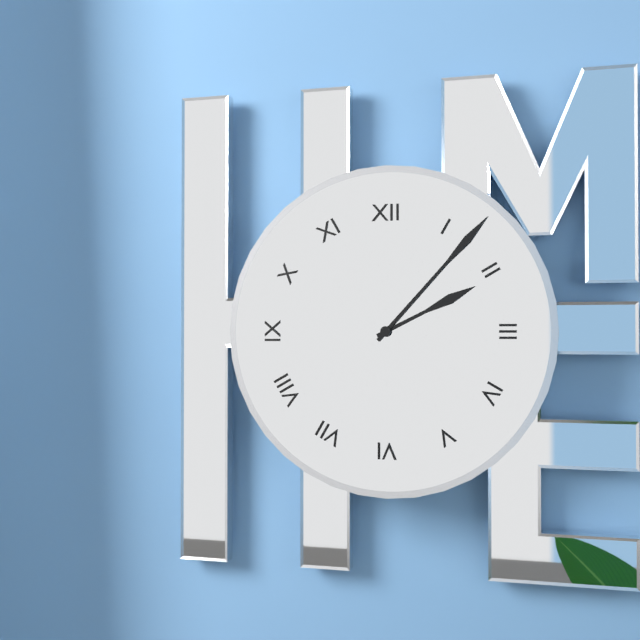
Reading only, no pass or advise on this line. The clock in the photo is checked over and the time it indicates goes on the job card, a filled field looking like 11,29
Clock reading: 2,07
